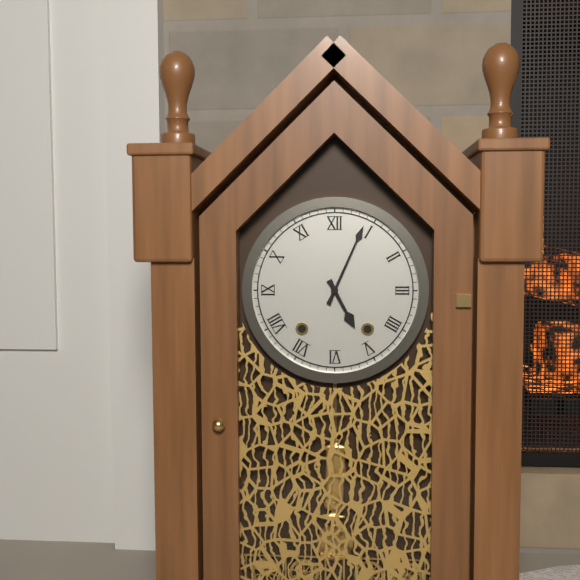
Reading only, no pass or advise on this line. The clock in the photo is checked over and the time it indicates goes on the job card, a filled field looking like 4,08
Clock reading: 5,04
